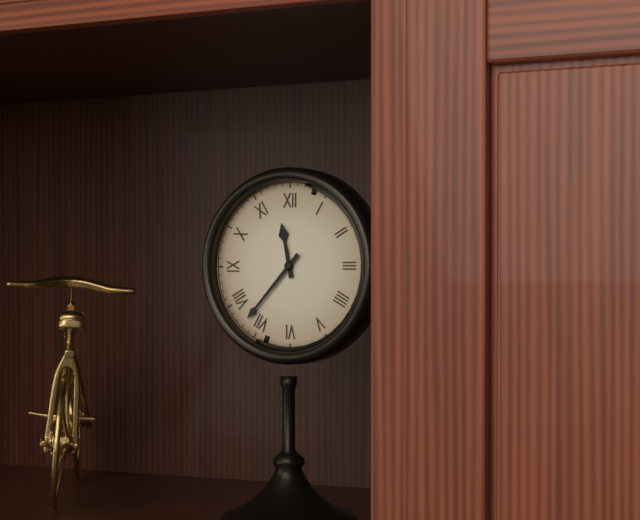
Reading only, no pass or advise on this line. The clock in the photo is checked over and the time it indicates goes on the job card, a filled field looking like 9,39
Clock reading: 11,37
